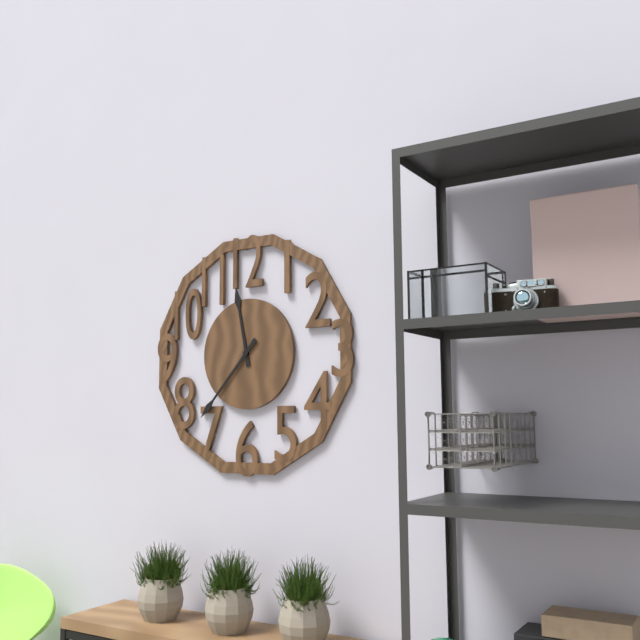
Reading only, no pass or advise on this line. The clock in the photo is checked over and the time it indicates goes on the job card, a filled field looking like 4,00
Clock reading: 11,37
